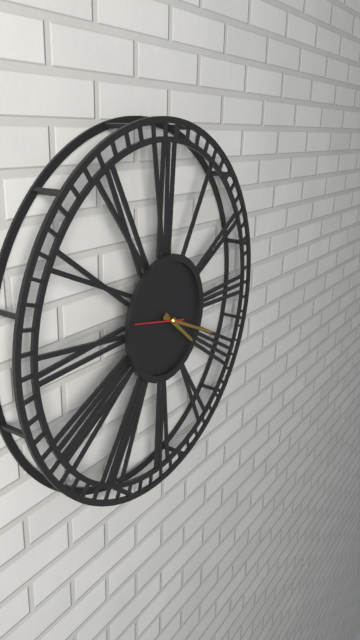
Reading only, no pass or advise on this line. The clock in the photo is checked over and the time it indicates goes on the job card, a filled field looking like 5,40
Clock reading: 4,19
